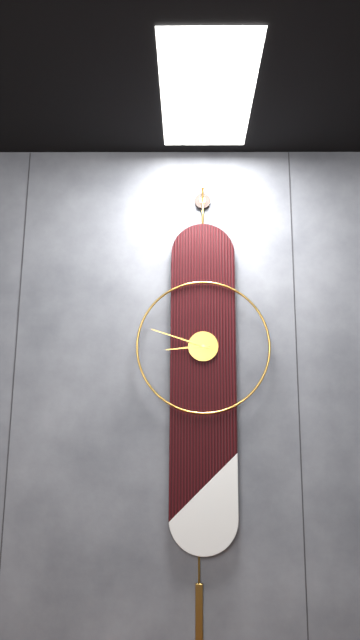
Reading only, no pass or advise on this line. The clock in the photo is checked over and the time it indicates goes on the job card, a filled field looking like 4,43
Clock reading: 8,48
